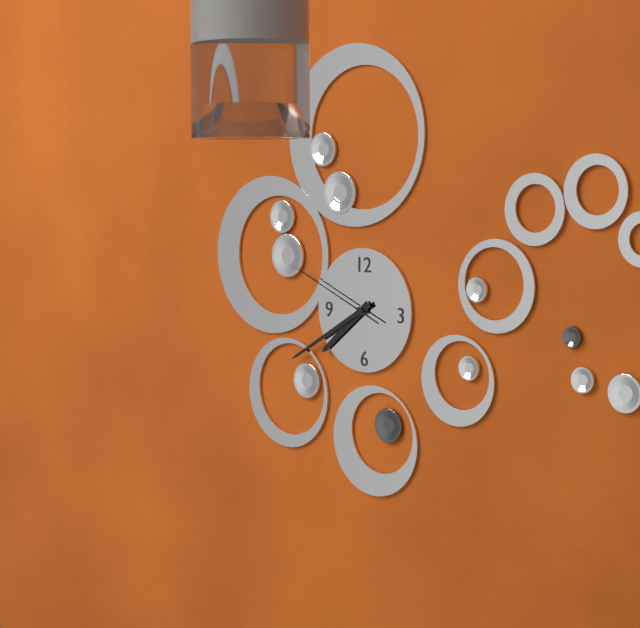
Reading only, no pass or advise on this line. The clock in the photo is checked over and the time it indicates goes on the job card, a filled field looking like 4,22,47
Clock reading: 7,40,49
